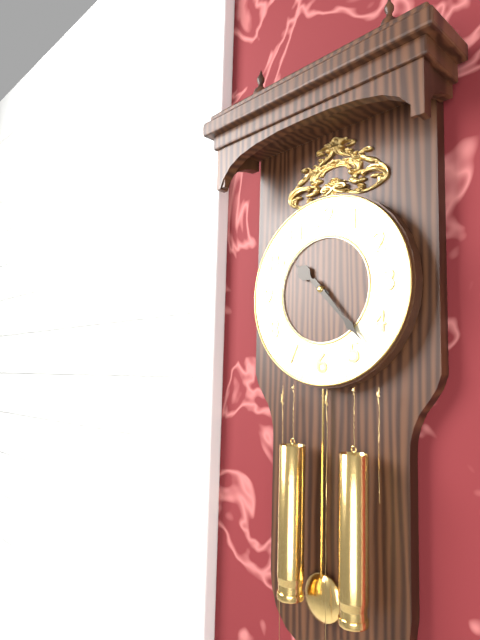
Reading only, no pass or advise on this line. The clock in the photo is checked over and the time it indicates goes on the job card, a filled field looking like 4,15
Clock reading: 10,23
